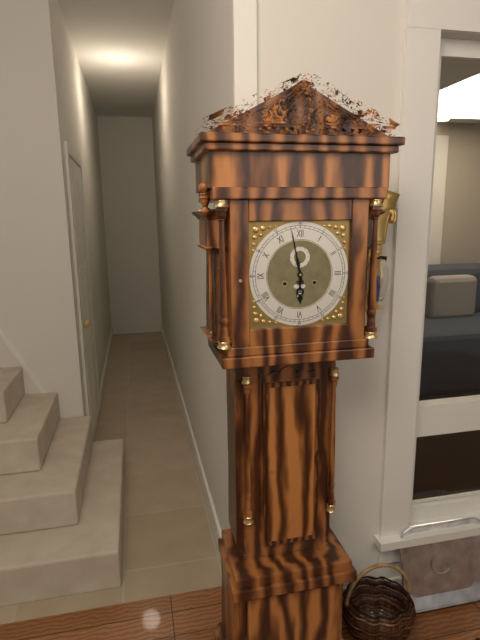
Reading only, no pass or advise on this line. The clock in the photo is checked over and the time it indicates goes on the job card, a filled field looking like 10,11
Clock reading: 5,58
